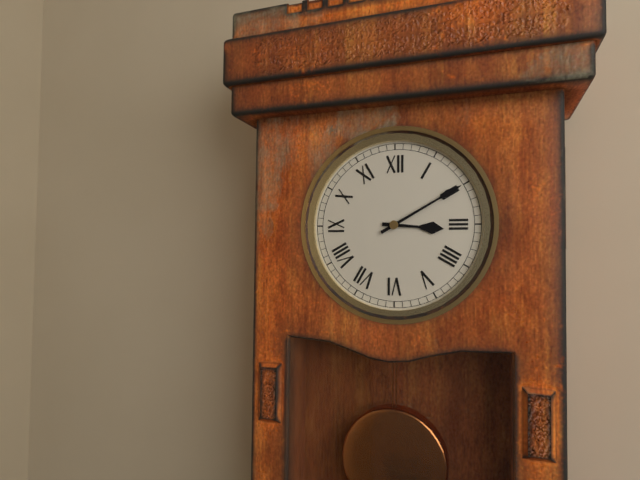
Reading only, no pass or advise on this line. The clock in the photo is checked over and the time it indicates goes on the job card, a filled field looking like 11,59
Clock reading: 3,10
